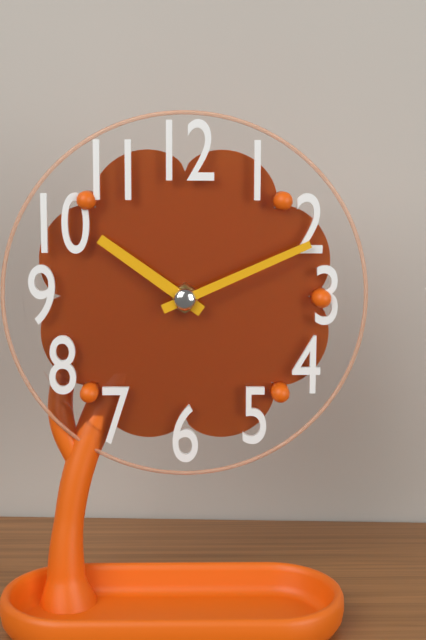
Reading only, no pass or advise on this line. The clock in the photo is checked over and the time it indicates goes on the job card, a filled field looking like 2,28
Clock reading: 10,11
